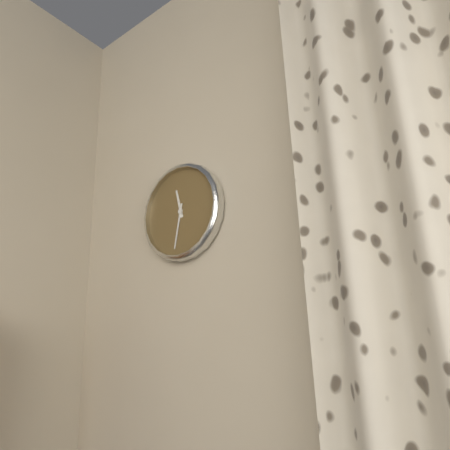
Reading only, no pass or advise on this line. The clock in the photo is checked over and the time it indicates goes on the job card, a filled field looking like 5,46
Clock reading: 11,32
